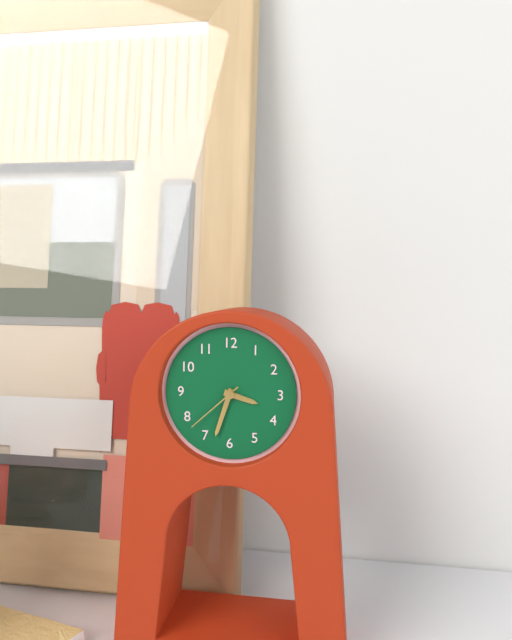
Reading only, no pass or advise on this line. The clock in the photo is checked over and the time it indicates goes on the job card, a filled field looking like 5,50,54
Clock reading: 3,33,38
